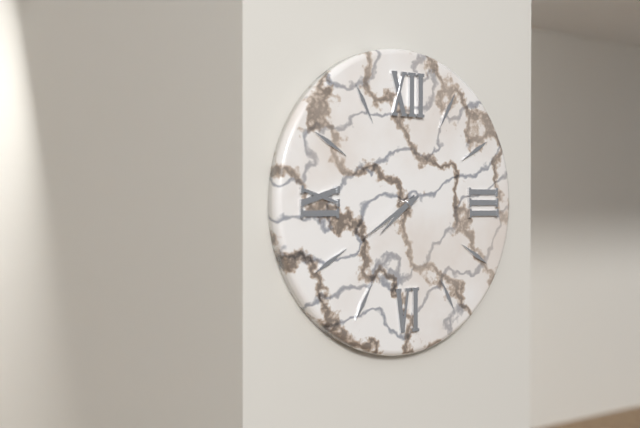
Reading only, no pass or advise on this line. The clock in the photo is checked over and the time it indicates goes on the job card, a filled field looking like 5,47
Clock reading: 7,40
